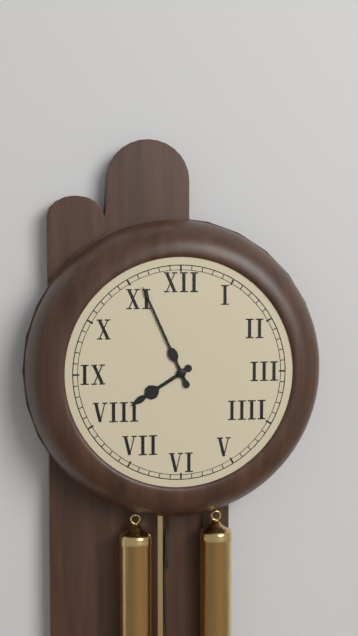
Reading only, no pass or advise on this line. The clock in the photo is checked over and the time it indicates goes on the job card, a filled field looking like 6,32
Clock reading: 7,56
